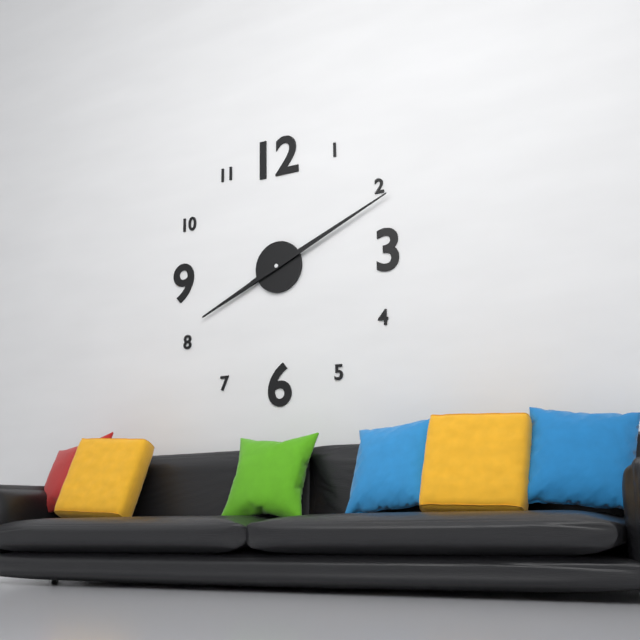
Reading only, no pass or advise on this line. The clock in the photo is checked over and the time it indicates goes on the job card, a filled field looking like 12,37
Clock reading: 8,11
